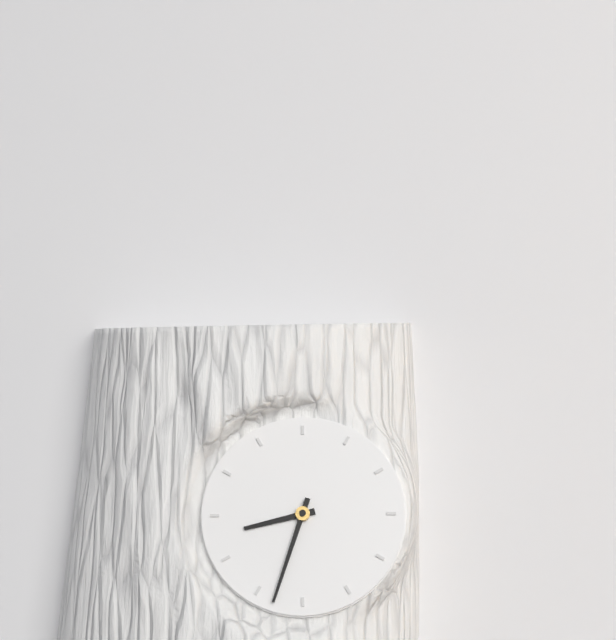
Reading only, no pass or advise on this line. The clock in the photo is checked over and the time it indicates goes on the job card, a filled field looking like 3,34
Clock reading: 8,33
